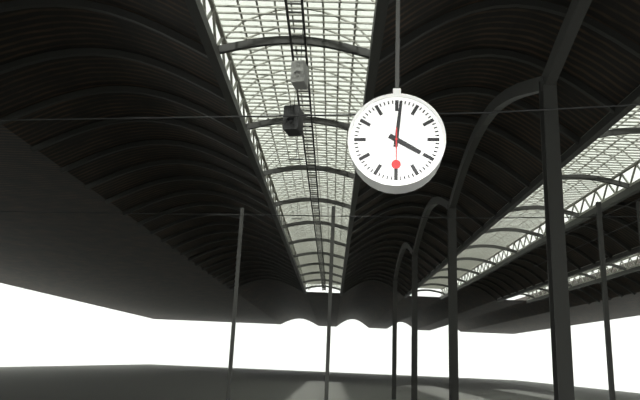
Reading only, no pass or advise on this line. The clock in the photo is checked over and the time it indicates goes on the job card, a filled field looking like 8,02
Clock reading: 4,01
